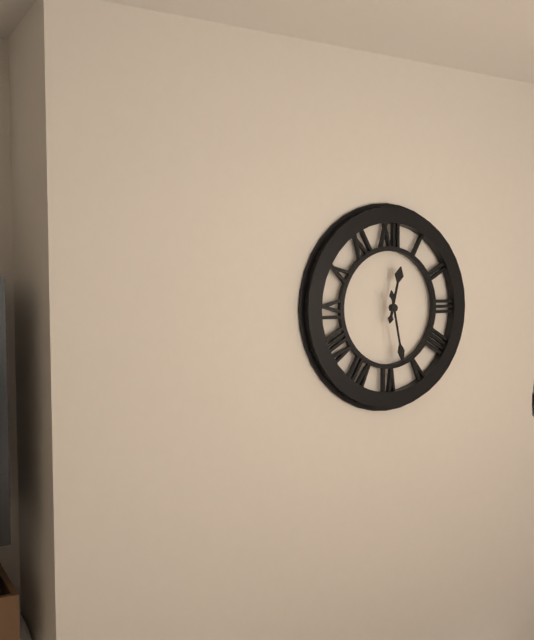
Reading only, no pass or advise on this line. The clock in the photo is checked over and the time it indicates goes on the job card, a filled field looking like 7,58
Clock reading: 12,28
